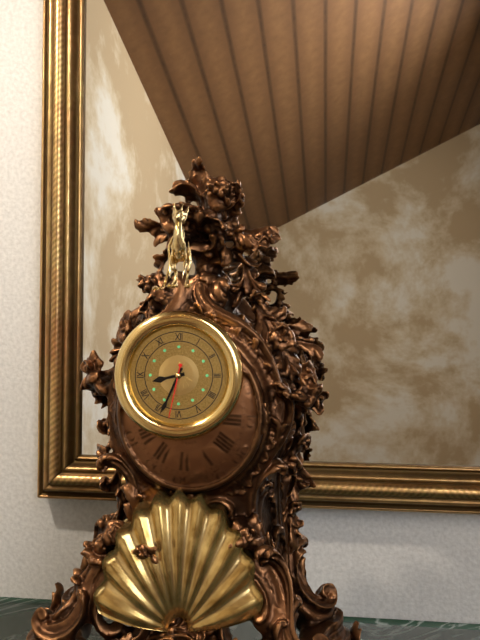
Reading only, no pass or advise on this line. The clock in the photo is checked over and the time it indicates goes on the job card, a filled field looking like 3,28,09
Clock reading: 8,34,32
